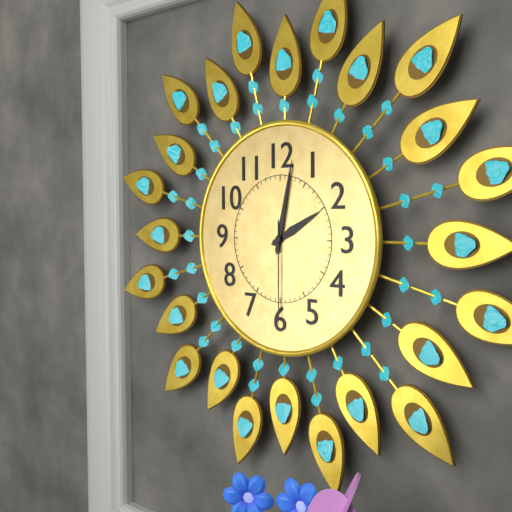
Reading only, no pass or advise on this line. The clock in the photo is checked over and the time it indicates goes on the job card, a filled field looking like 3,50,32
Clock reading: 2,02,30
